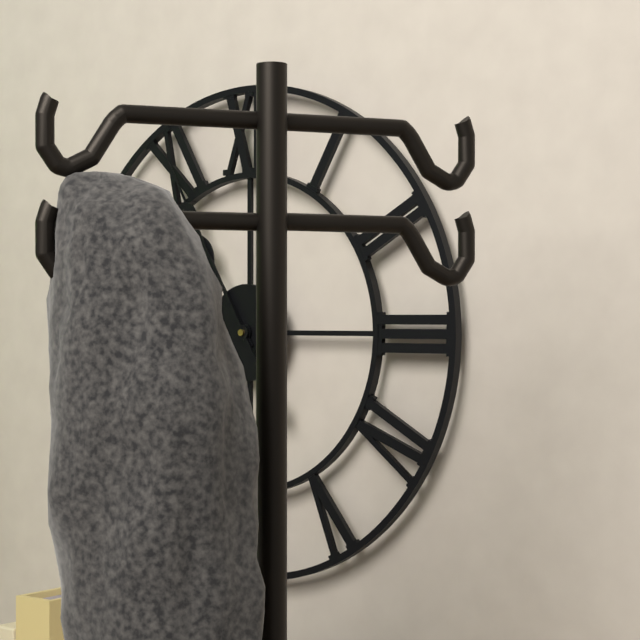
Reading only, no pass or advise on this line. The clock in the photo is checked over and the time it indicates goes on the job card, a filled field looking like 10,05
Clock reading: 10,55
